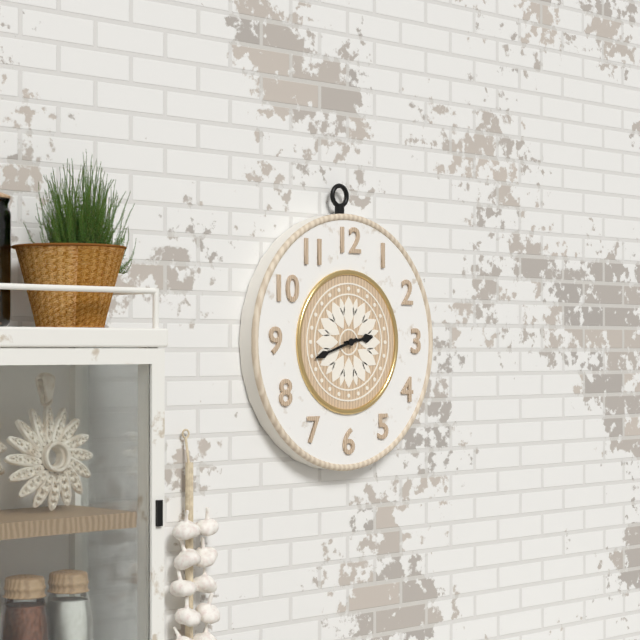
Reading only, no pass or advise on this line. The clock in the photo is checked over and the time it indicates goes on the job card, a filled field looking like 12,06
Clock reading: 2,42
